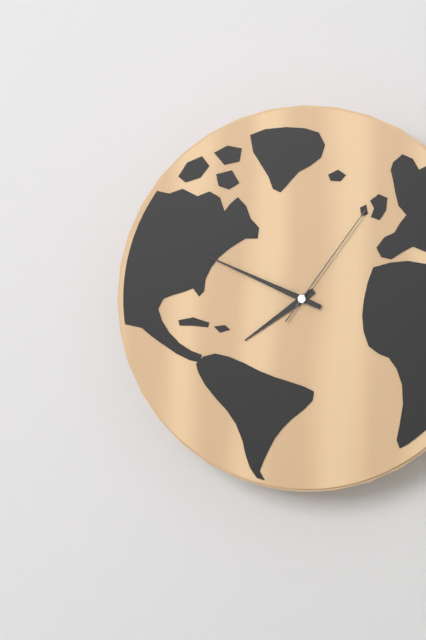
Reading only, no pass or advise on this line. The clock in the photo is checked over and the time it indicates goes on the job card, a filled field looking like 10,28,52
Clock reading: 7,49,06
